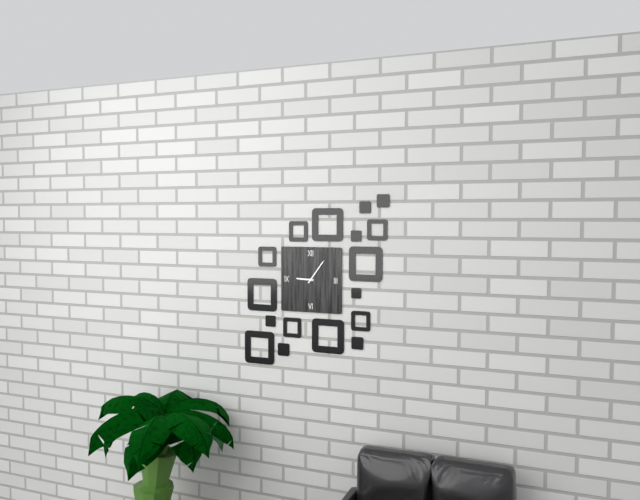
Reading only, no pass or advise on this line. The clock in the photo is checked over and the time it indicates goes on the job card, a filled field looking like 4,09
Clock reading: 9,06
